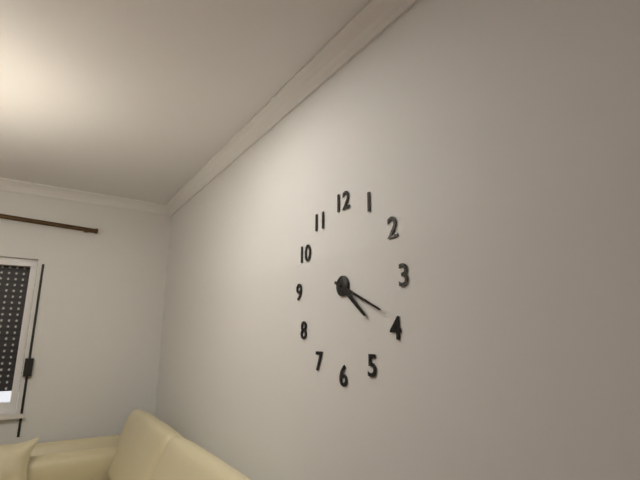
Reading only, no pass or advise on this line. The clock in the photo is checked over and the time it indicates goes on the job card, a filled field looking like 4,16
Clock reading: 4,19
